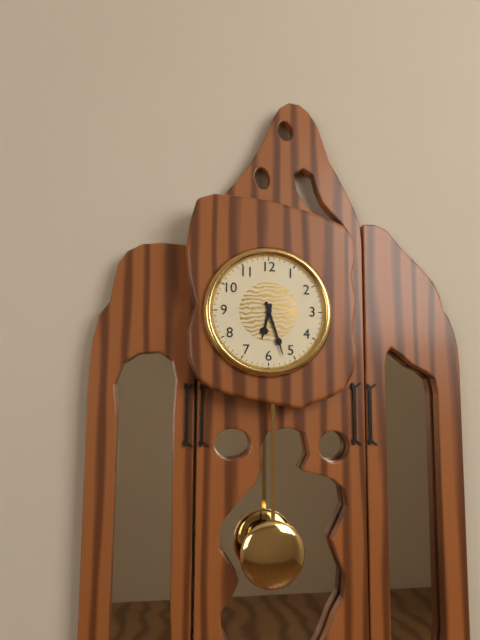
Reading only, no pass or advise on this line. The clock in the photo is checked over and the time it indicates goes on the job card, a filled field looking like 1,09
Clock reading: 6,27
